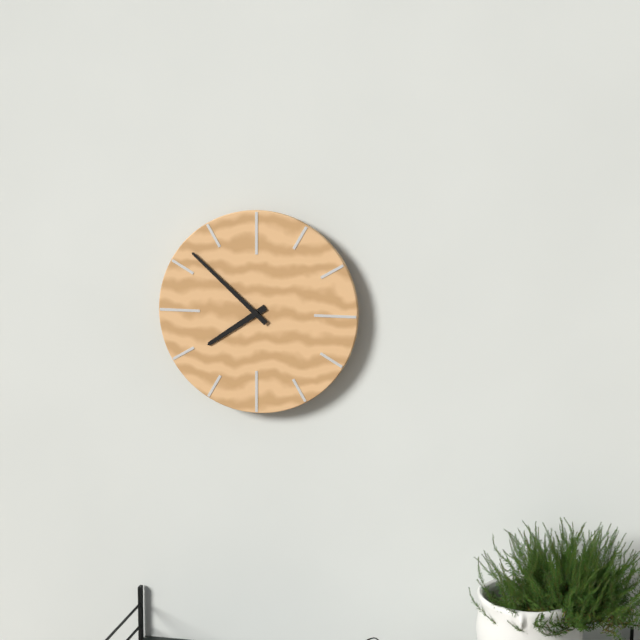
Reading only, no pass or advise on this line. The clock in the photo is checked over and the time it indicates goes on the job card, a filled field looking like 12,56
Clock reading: 7,52
